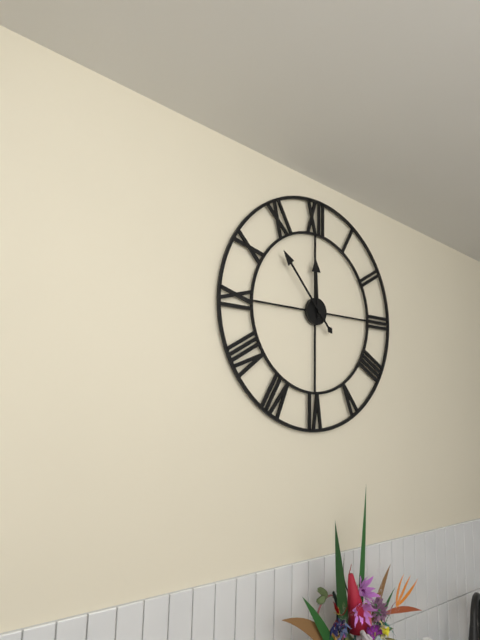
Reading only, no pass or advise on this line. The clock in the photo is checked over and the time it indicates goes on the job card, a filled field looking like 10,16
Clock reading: 11,53
